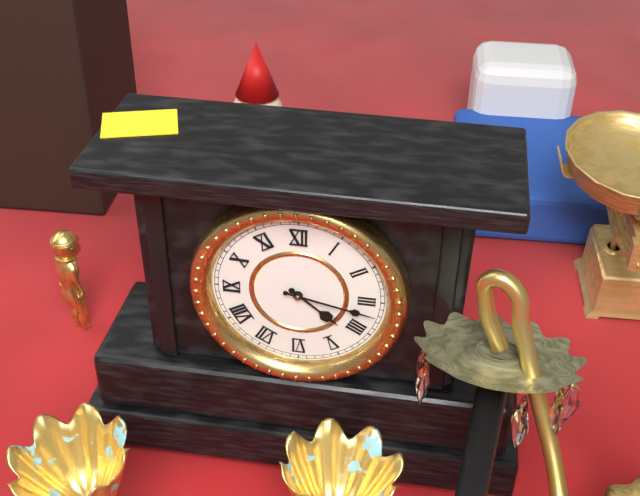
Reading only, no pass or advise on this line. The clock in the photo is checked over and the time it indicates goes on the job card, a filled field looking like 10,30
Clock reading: 4,17
